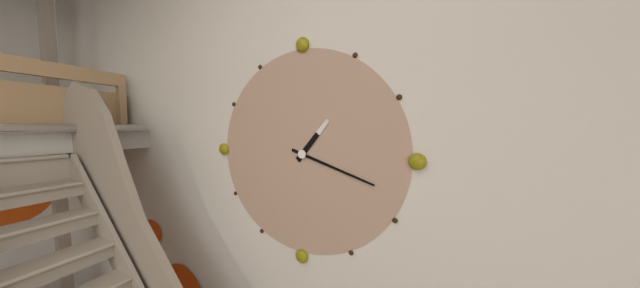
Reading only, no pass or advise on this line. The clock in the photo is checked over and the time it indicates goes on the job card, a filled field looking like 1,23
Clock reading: 1,18
